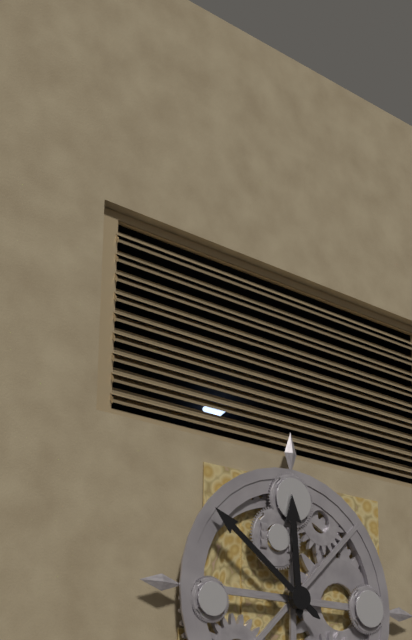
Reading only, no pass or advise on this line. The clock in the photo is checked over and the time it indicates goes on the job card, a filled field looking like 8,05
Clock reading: 11,51
